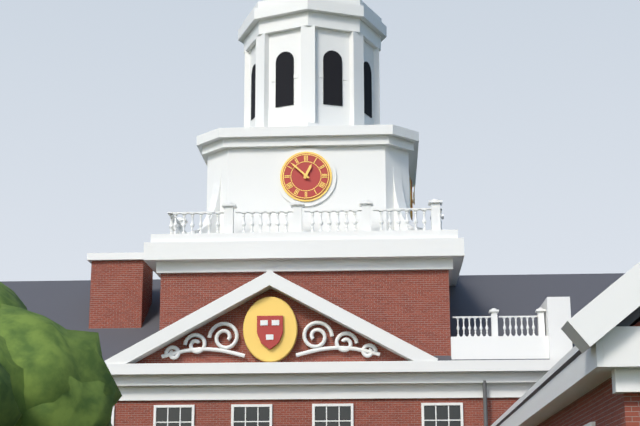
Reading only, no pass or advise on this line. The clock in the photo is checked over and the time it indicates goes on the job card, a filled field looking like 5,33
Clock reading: 12,52
